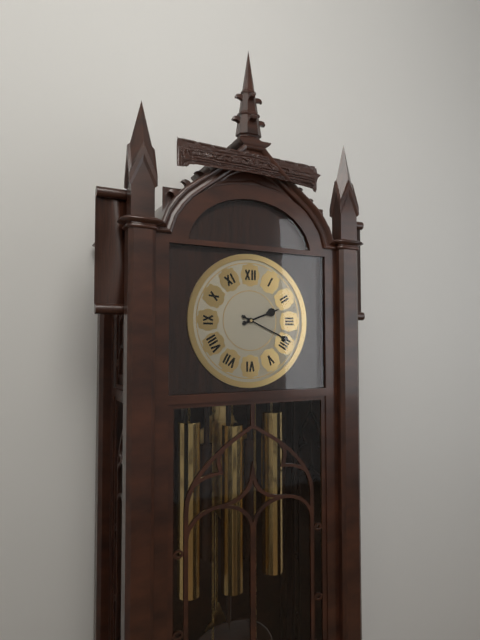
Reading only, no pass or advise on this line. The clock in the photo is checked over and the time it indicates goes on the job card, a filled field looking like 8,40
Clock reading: 2,19
